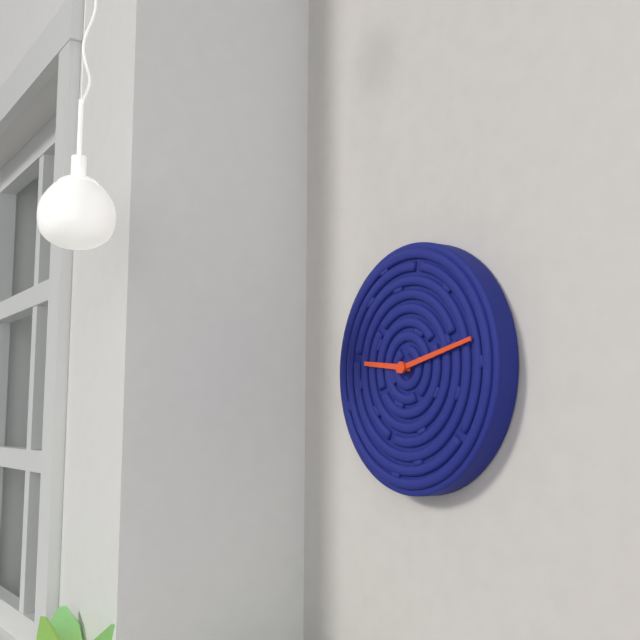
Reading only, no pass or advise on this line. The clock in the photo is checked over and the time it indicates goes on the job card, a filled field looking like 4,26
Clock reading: 9,13
